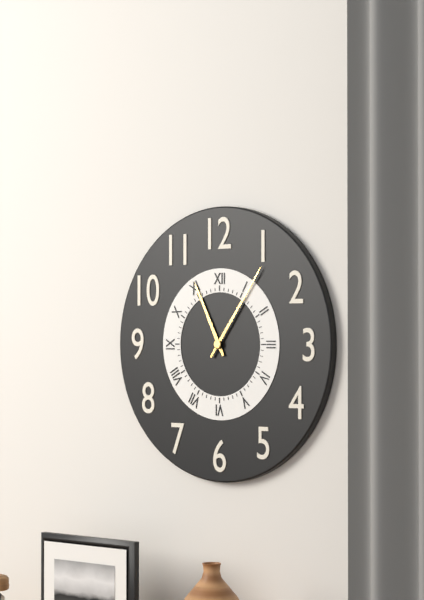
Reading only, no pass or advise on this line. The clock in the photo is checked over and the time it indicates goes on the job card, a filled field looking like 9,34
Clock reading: 11,06
